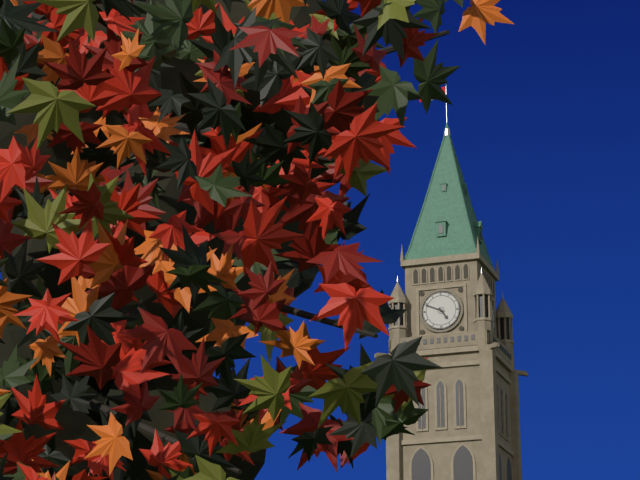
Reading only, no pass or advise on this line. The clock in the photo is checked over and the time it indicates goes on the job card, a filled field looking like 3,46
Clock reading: 4,49
